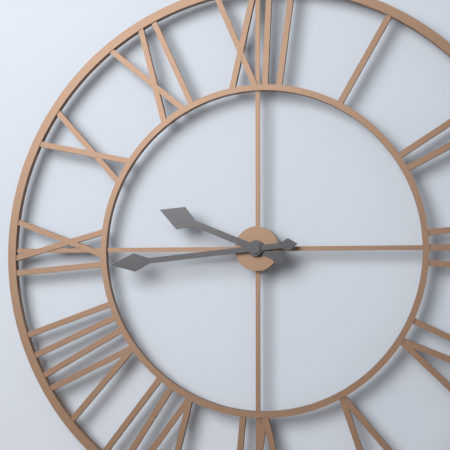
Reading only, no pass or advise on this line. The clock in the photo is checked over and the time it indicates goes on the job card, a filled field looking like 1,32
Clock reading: 9,44
